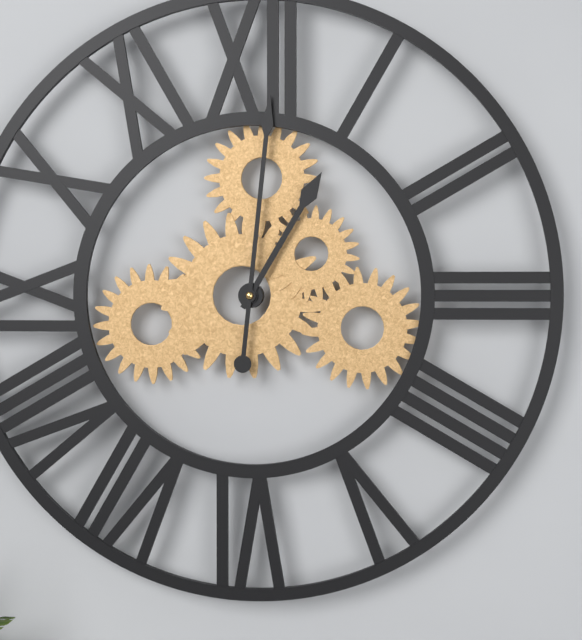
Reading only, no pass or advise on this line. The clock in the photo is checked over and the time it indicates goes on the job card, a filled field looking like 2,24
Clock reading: 1,01
